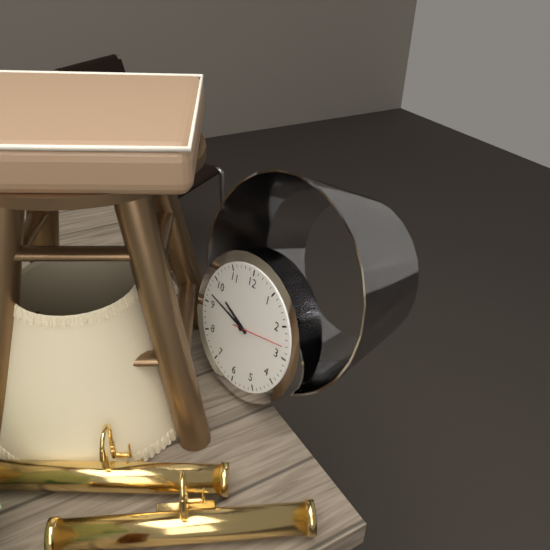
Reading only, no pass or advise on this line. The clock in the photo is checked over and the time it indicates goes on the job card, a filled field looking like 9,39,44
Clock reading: 9,47,13
